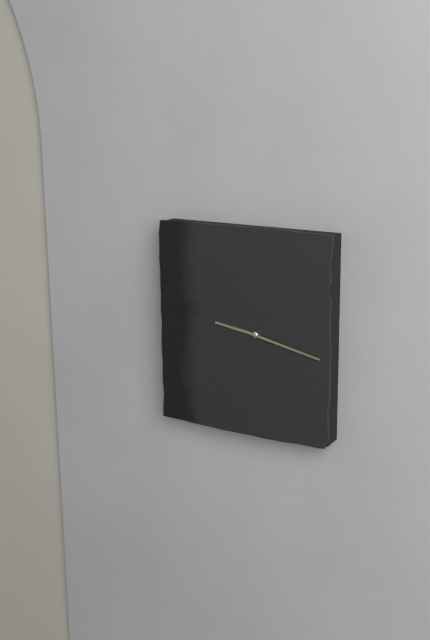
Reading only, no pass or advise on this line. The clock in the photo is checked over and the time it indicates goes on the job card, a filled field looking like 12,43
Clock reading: 9,17
